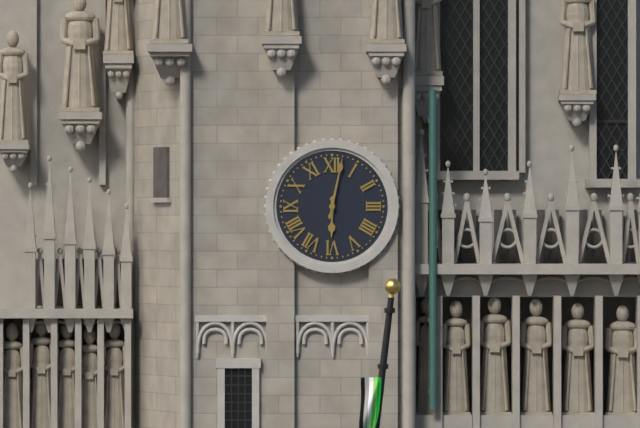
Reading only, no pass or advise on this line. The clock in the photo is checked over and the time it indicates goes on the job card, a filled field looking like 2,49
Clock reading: 6,02
